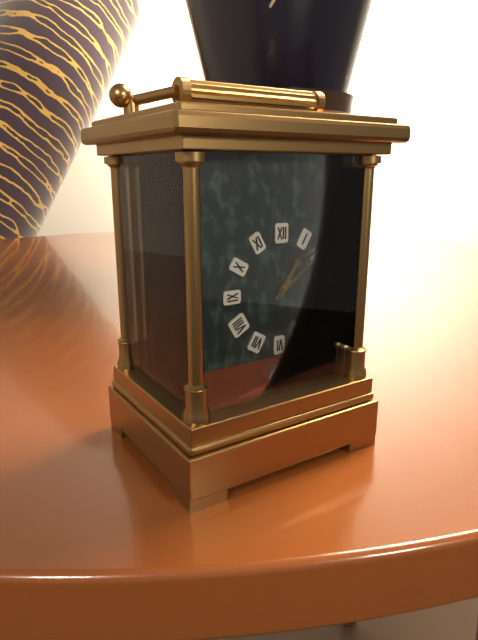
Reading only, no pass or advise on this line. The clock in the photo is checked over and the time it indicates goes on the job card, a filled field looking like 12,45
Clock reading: 1,09
